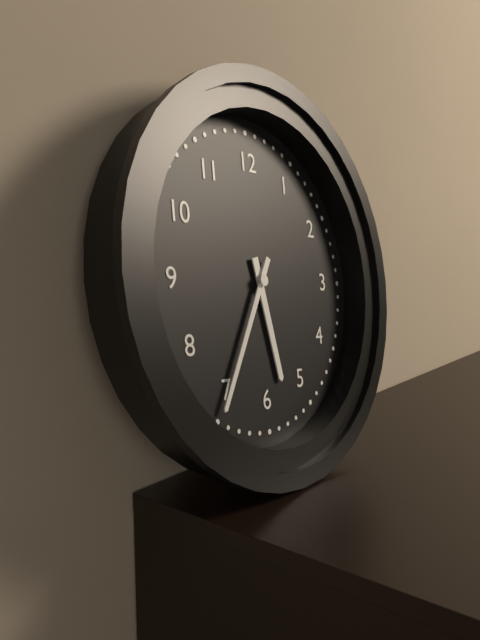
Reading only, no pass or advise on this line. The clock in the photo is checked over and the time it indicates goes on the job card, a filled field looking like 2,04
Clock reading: 5,35
